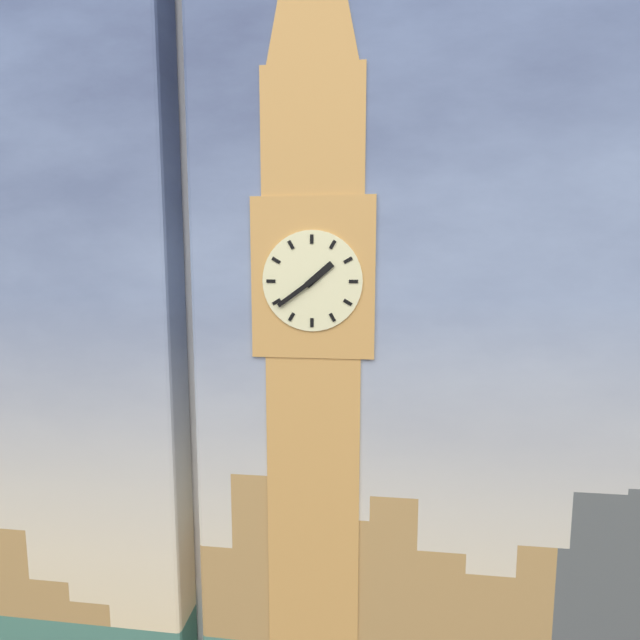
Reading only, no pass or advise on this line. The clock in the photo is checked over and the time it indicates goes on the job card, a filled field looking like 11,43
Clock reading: 1,39
